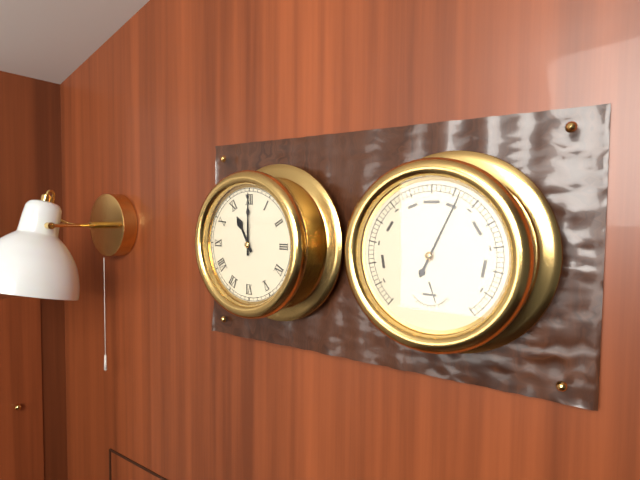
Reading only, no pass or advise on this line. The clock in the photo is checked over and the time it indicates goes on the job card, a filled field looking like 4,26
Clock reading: 11,00
